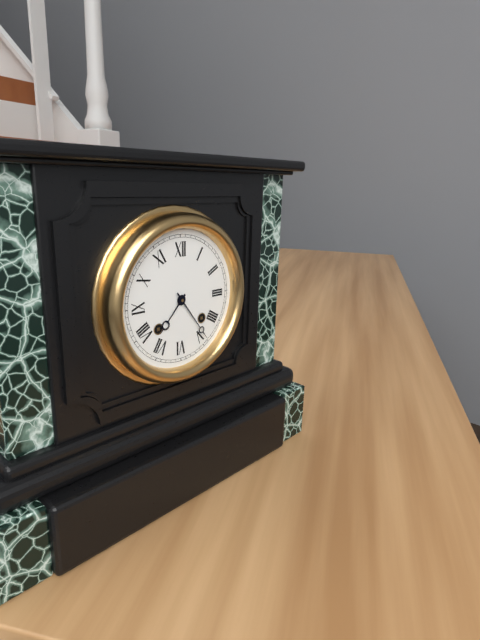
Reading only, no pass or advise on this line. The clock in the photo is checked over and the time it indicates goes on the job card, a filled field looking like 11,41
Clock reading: 7,24
